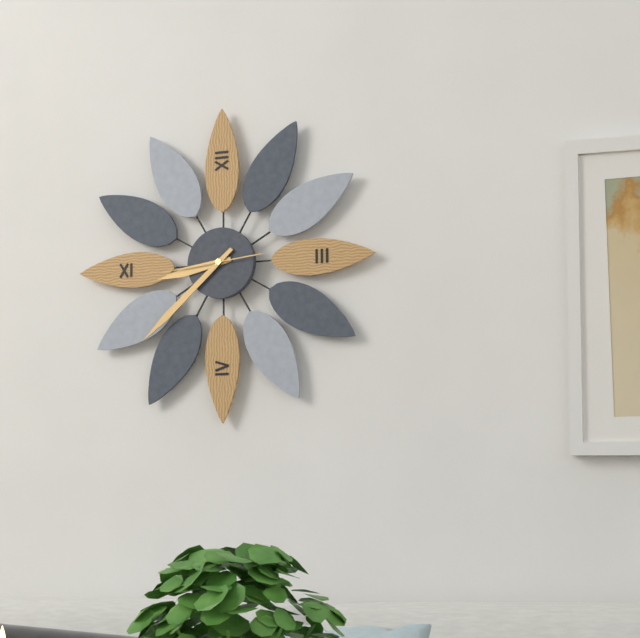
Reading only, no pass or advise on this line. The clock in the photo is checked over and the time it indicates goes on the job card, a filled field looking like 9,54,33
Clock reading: 8,38,44
